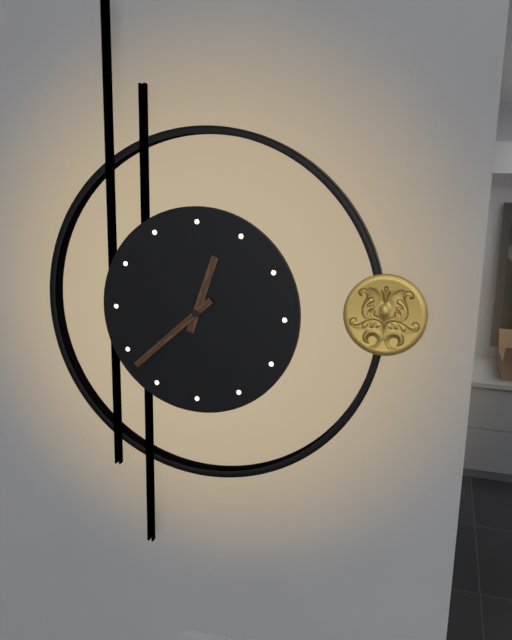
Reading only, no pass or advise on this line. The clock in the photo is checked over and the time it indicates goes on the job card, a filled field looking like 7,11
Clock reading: 12,38
